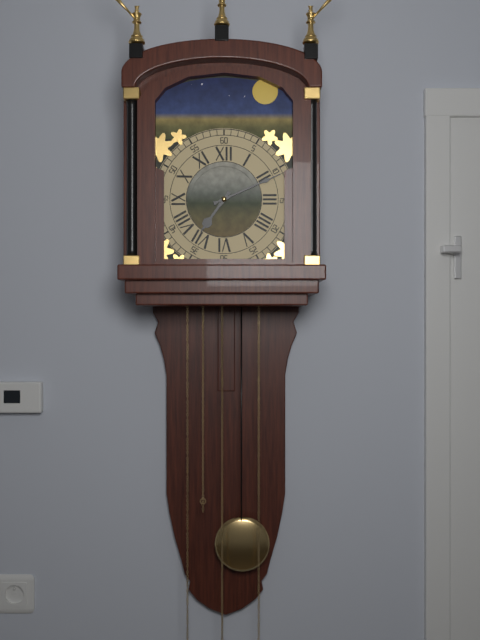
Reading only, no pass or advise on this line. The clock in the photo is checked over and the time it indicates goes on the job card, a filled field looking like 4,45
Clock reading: 7,11
